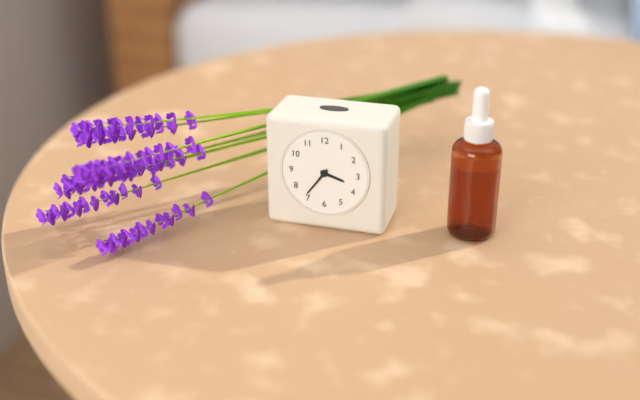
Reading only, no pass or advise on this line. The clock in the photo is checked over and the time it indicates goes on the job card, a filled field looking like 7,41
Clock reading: 3,36
